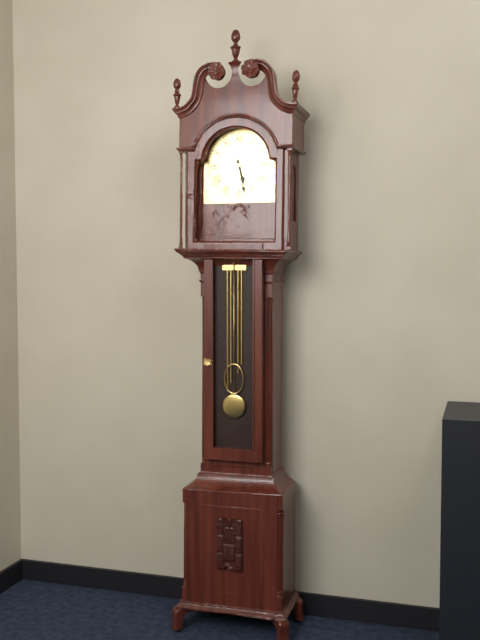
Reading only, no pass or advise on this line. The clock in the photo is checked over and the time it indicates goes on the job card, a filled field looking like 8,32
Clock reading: 5,28
